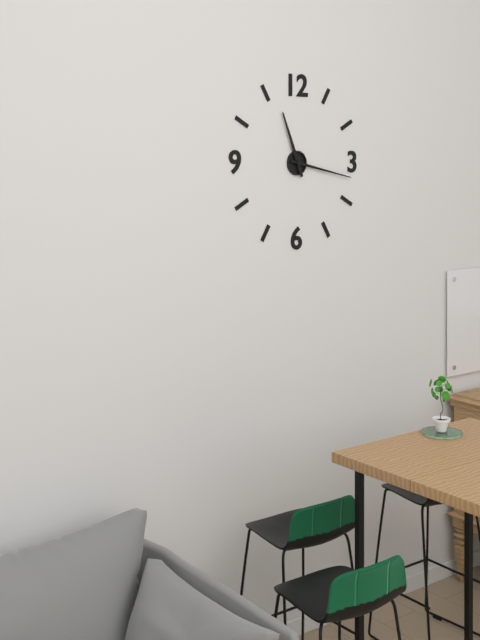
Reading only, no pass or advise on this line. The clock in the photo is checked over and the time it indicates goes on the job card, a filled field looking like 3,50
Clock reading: 11,17
